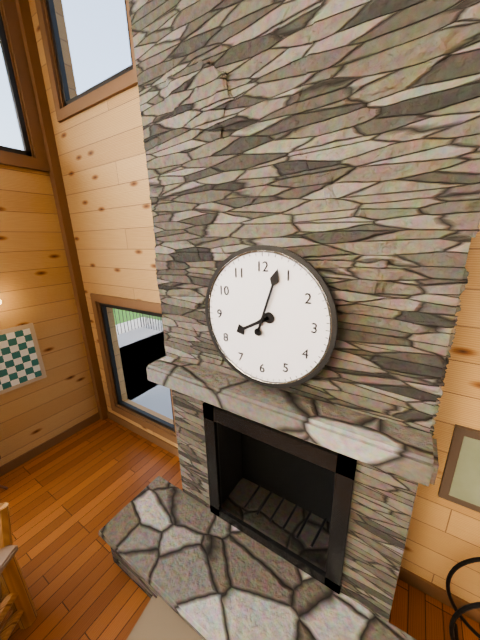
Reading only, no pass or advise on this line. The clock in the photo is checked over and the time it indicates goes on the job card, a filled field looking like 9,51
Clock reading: 8,03
